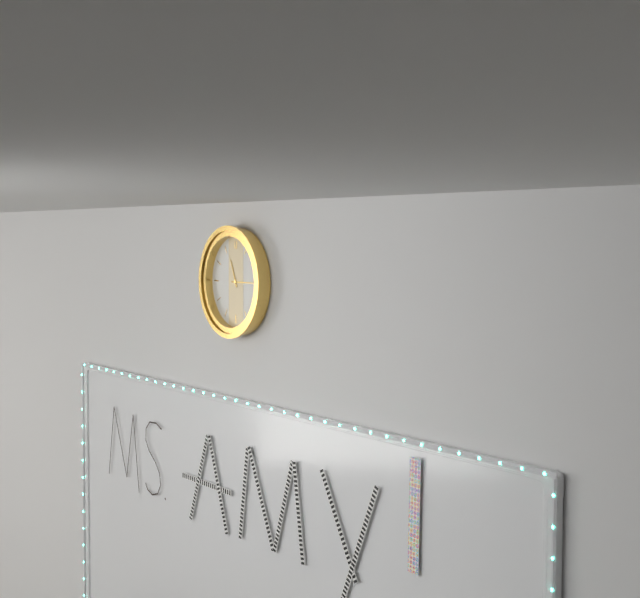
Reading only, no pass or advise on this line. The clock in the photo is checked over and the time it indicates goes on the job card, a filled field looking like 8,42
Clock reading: 11,15
